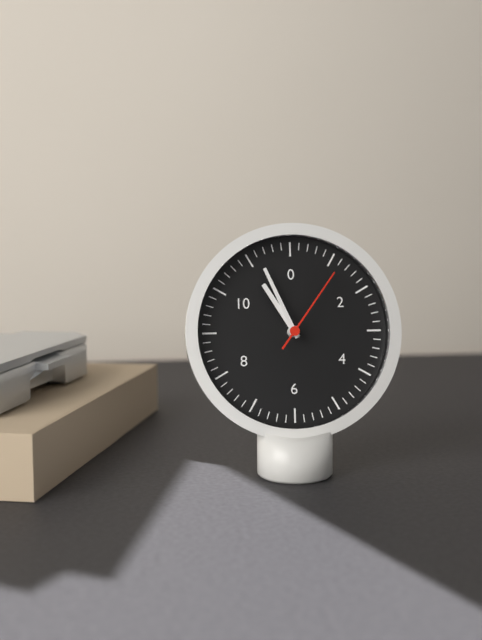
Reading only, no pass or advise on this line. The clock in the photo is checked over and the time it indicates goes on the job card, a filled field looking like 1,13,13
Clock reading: 10,56,06
